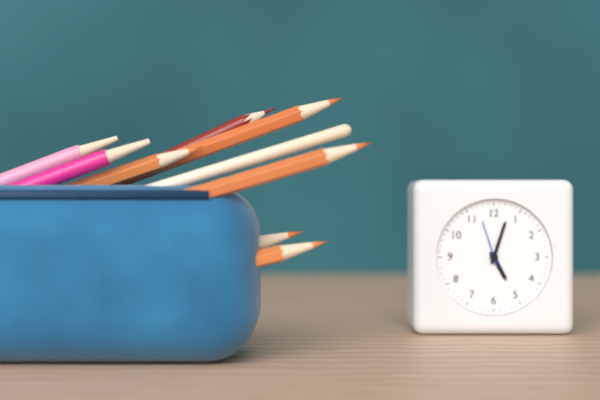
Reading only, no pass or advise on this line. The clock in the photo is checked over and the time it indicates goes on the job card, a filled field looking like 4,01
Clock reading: 5,03
